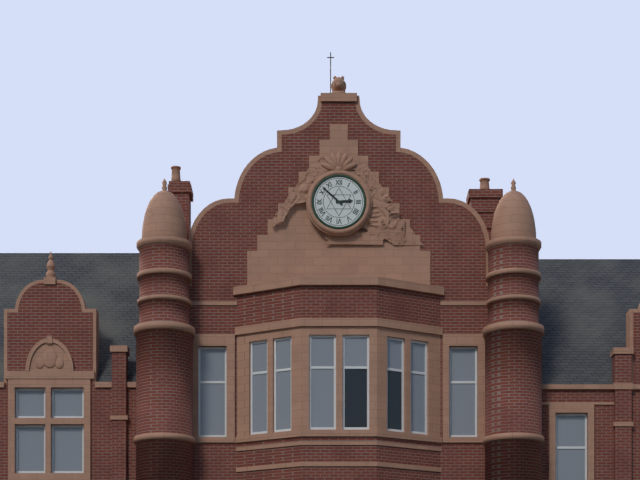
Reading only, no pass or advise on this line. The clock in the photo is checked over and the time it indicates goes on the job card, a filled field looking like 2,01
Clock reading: 2,52
